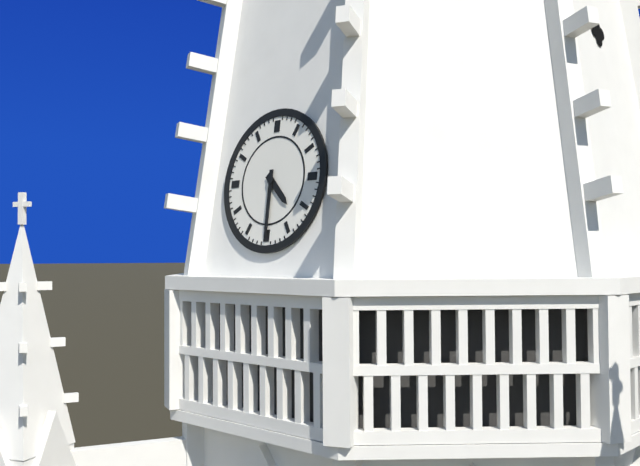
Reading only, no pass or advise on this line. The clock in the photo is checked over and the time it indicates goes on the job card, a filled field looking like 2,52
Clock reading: 4,30
